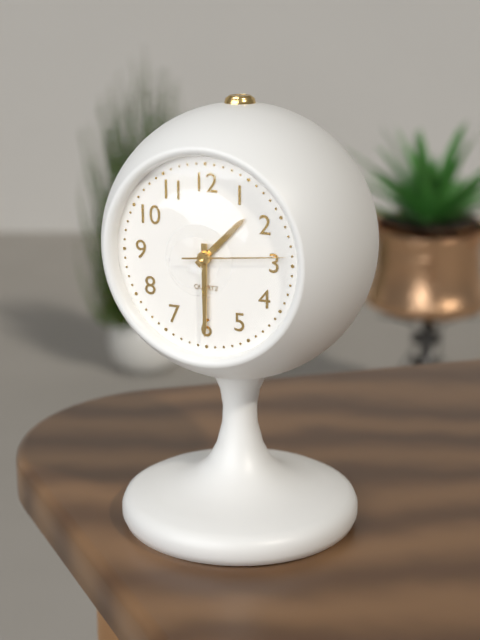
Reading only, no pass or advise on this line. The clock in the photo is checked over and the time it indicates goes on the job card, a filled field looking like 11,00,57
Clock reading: 1,30,14
